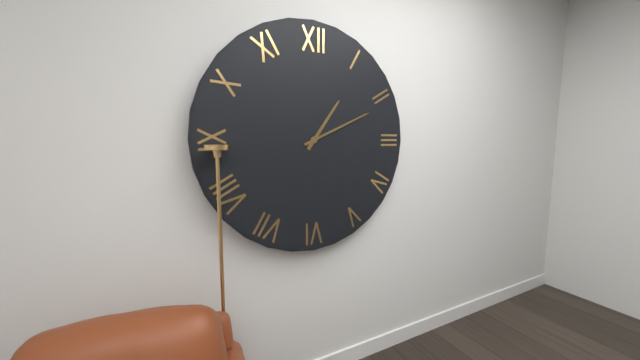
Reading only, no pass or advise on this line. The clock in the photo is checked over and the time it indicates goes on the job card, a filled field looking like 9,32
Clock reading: 1,11
